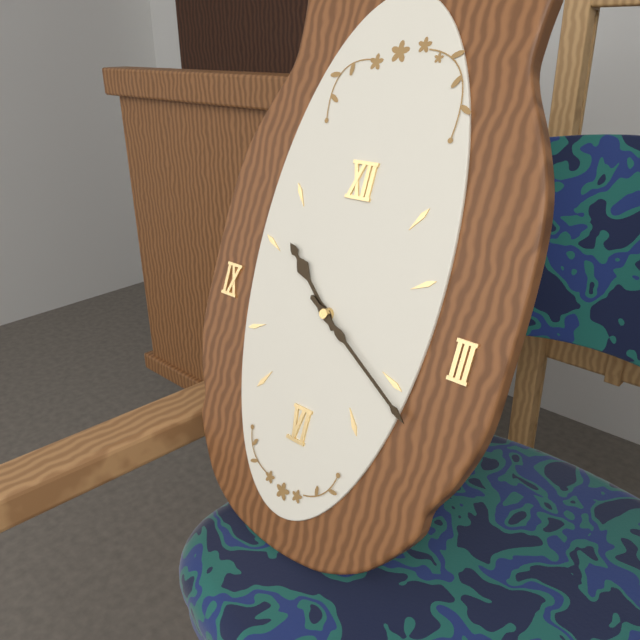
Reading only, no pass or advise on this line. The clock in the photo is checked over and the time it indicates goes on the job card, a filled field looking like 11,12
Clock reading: 10,20
